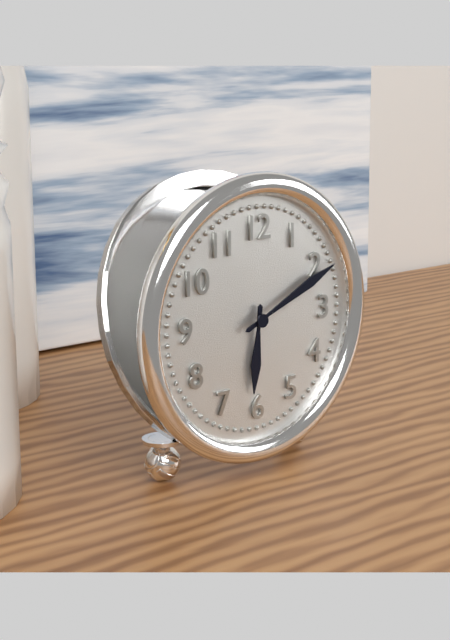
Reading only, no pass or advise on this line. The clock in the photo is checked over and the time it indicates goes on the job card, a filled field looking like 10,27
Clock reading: 6,11
